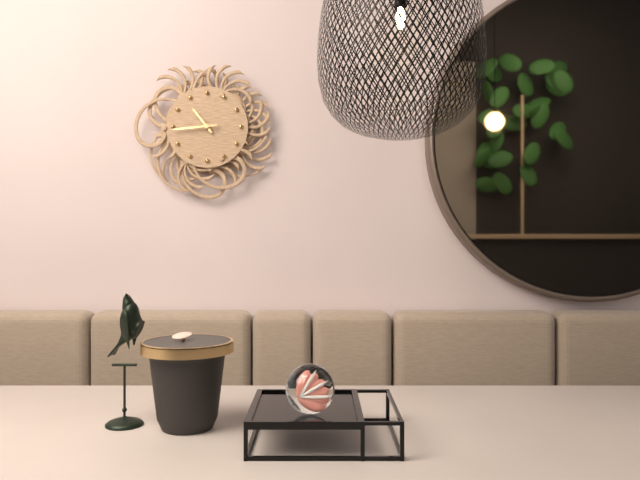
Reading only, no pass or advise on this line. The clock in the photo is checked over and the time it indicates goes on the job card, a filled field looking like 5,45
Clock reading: 10,44
